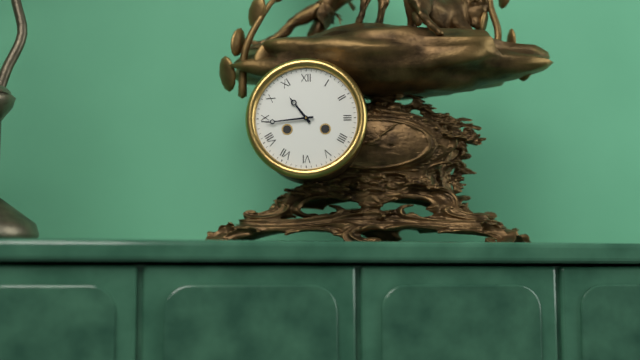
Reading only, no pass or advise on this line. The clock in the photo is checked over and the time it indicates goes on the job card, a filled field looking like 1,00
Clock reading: 10,44
